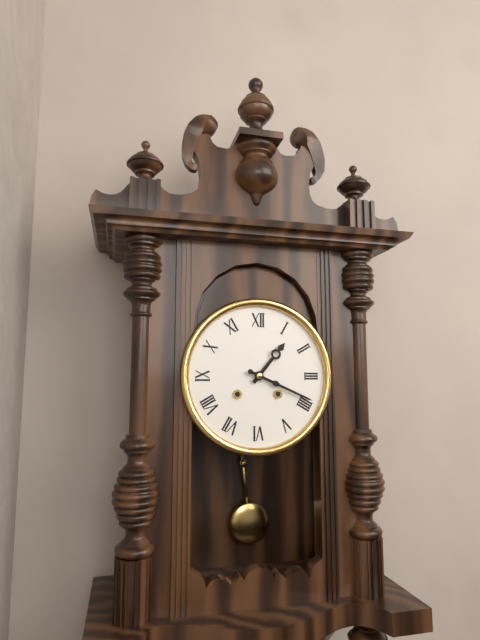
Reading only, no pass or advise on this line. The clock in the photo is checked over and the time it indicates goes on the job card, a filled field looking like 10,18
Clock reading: 1,19
